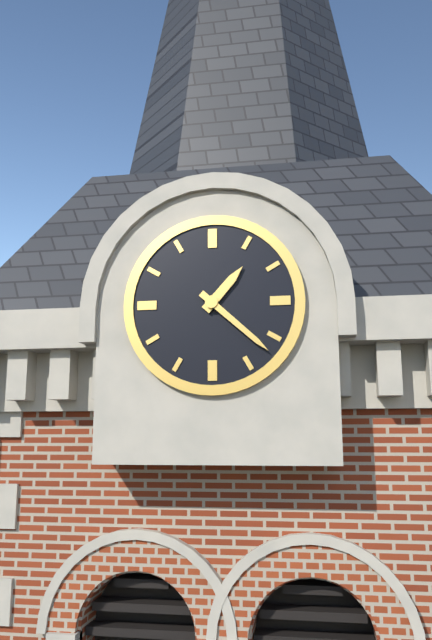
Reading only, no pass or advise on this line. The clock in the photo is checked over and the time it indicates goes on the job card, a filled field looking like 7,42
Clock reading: 1,22
